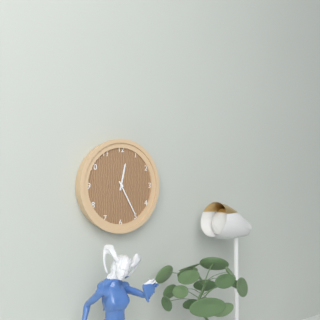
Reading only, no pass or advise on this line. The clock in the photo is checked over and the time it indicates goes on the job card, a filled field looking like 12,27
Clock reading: 12,25
